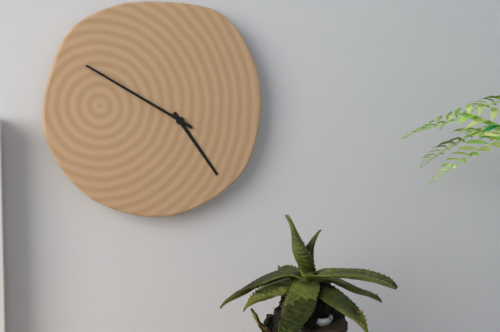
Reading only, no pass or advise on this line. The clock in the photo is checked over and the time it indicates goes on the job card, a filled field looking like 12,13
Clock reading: 4,50
